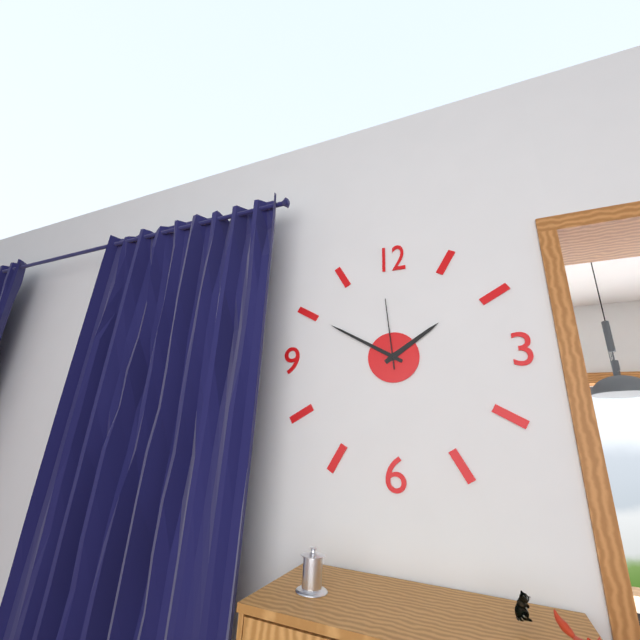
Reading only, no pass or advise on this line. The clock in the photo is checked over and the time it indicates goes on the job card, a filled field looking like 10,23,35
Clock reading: 1,50,59
